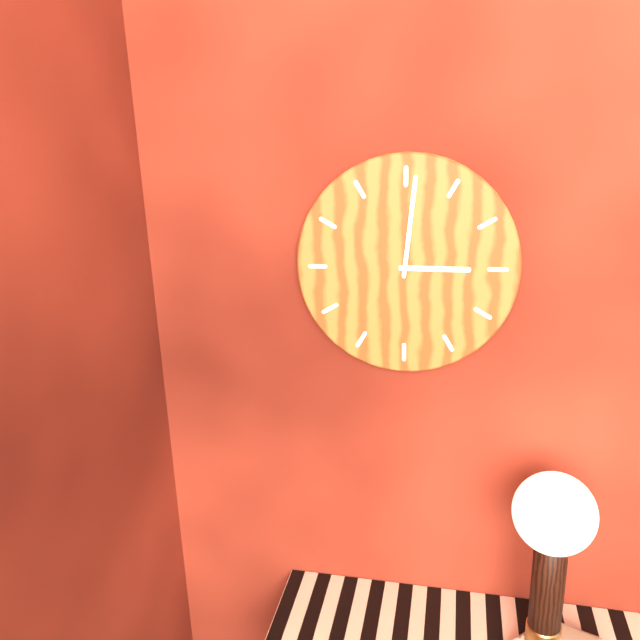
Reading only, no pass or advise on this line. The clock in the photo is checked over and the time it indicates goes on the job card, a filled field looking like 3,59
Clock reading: 3,01
